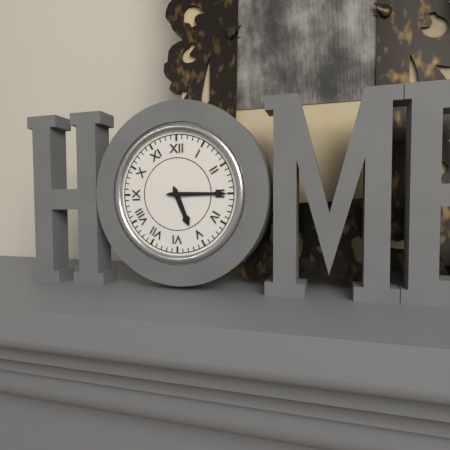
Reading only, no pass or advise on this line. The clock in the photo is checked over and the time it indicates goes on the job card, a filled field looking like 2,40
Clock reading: 5,15
